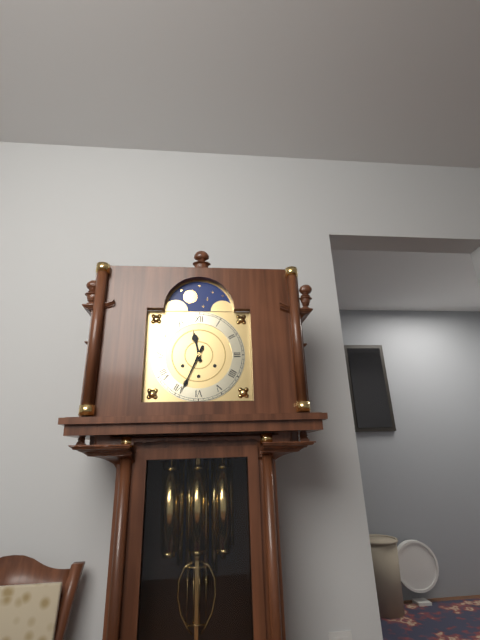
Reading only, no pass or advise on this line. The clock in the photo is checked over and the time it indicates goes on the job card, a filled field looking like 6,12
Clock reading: 11,34
